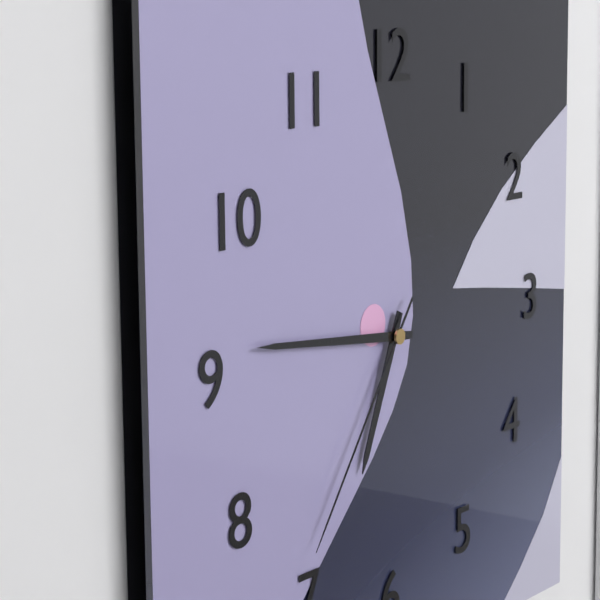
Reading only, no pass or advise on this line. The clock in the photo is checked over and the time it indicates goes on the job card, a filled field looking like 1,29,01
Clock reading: 6,46,36
